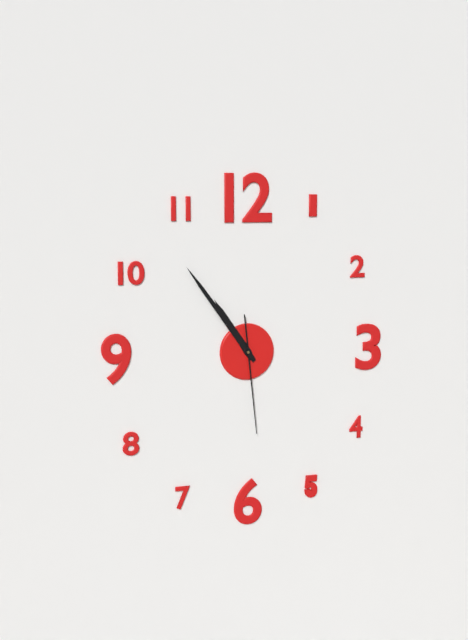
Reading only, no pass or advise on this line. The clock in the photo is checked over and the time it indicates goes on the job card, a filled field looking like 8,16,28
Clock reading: 10,54,29
